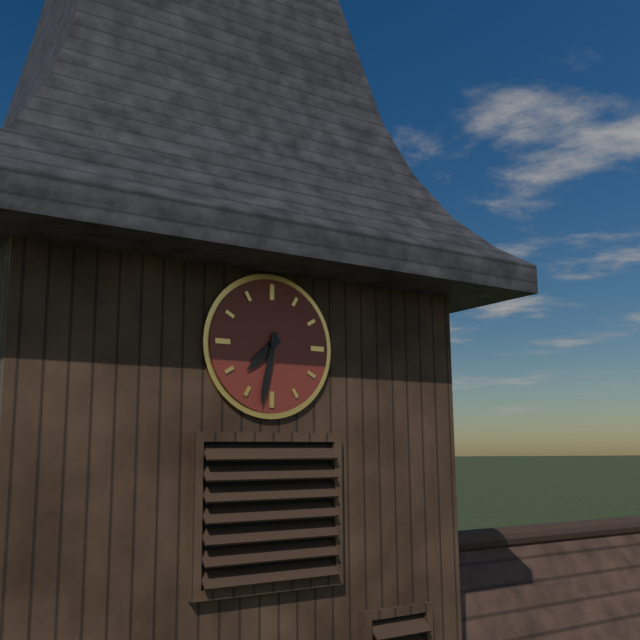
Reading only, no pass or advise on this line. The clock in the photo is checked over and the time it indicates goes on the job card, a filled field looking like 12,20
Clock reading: 7,32
